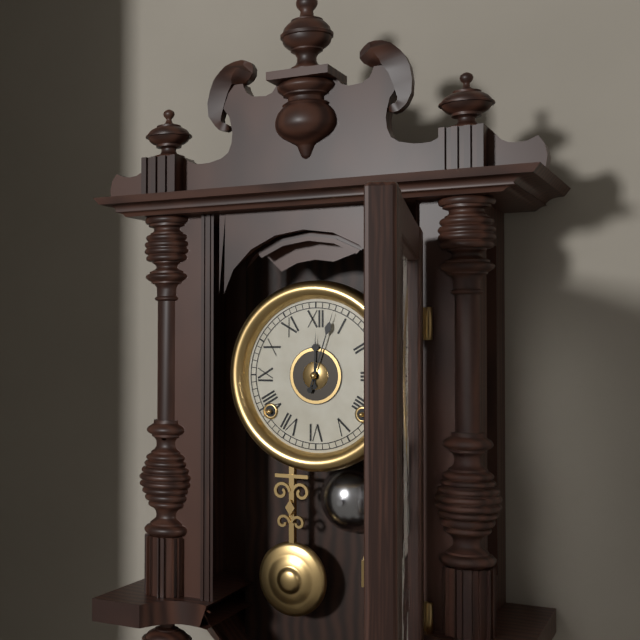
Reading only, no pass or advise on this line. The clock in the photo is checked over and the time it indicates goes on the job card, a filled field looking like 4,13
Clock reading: 12,03
